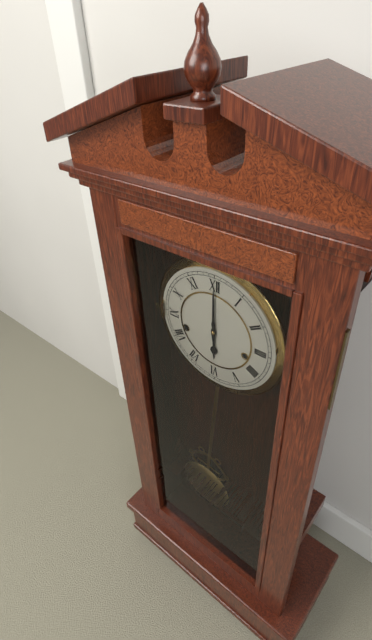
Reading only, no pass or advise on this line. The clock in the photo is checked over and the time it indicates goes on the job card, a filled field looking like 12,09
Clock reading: 6,00
